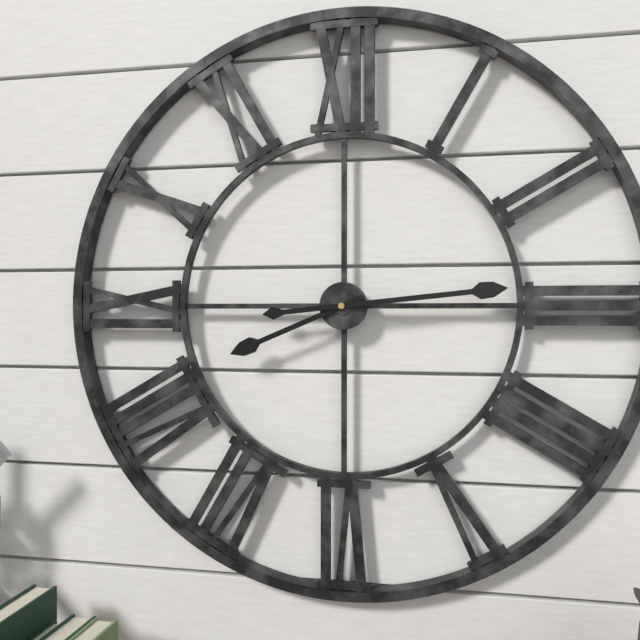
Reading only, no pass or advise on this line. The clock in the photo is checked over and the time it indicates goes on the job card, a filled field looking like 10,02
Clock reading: 8,14
